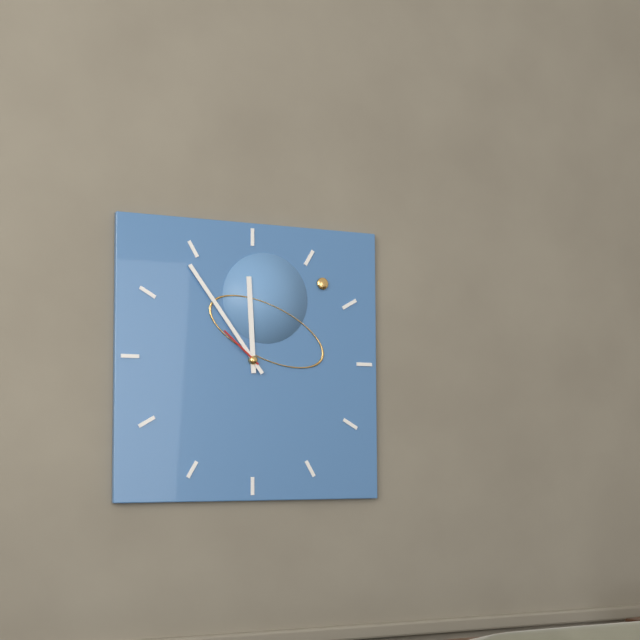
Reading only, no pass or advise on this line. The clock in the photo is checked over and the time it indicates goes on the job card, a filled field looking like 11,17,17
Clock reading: 11,54,52
